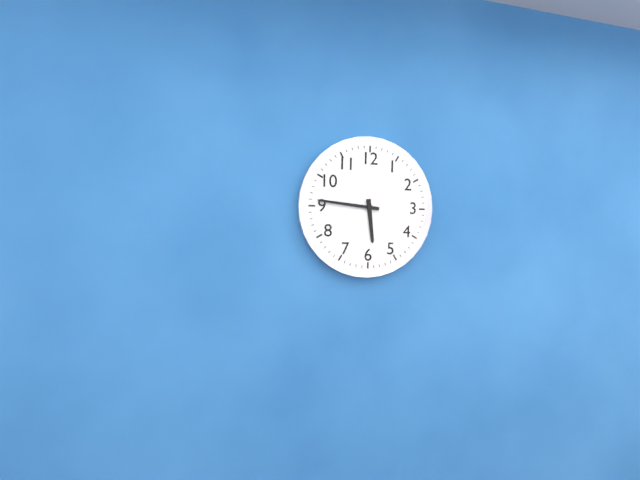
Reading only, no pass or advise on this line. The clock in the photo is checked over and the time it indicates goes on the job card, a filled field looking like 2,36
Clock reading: 5,46
